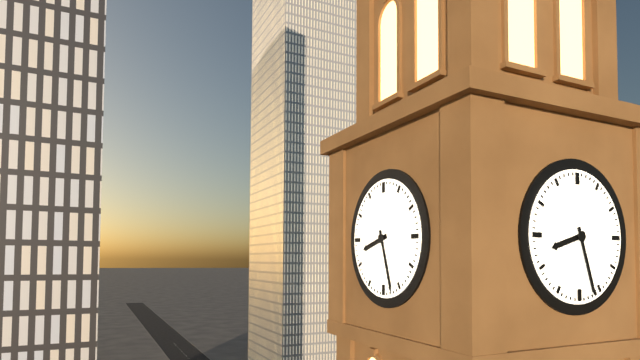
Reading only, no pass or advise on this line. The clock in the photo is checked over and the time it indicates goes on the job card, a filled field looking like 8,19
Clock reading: 8,27
